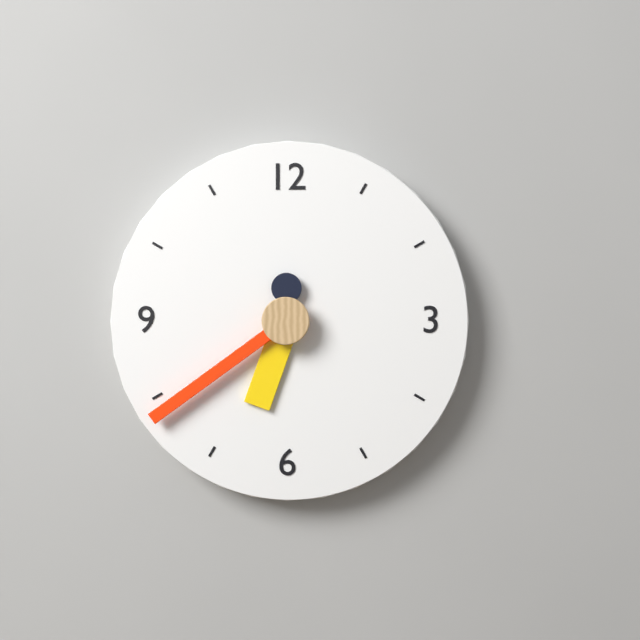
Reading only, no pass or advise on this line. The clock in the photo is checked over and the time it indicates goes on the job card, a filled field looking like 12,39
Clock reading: 6,39
